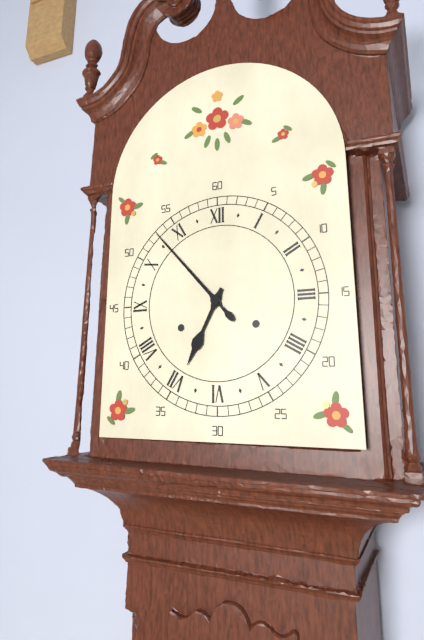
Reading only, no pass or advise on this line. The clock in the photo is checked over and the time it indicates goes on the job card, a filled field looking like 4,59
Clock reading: 6,53
